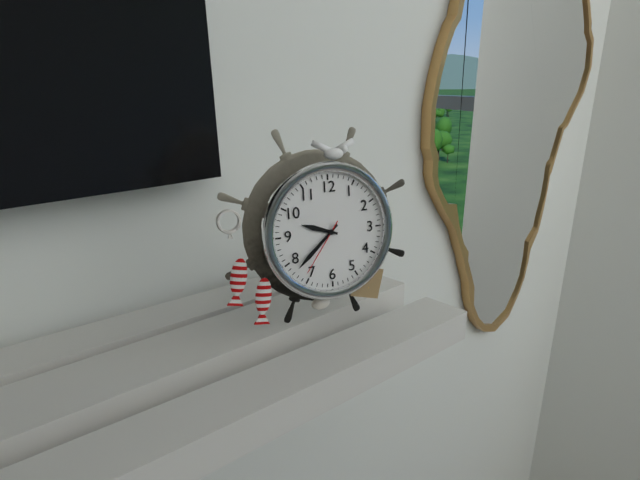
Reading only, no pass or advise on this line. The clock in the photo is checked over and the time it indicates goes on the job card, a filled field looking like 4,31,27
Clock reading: 9,38,36
